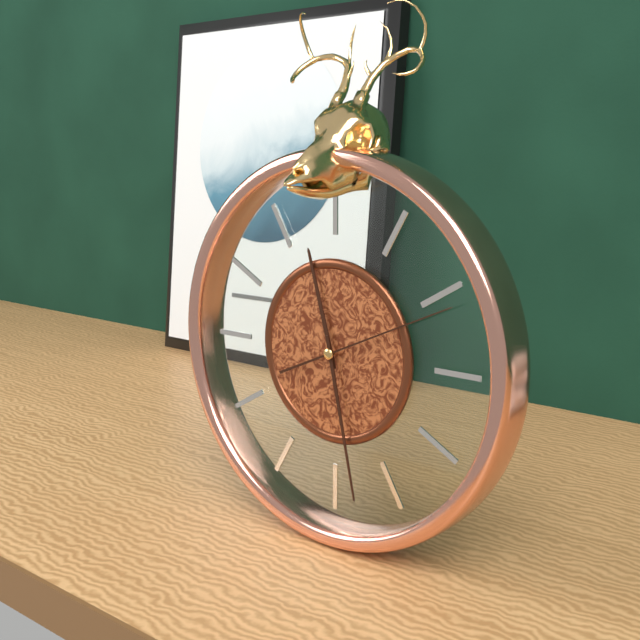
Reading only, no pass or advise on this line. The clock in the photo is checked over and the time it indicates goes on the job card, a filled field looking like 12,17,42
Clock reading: 11,28,11
